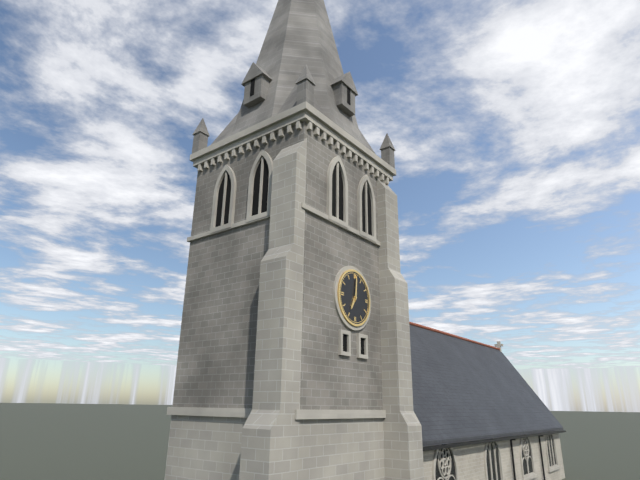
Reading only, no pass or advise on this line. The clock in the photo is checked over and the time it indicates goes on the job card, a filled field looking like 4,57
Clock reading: 7,01
